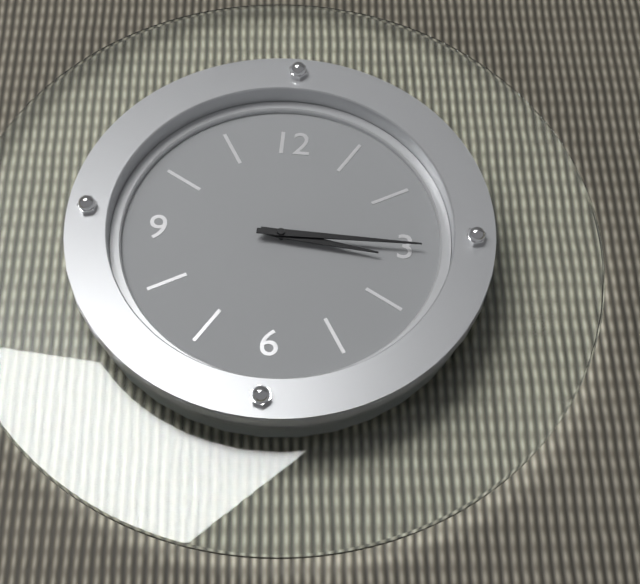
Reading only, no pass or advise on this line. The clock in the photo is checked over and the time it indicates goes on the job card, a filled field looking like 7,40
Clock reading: 3,15
